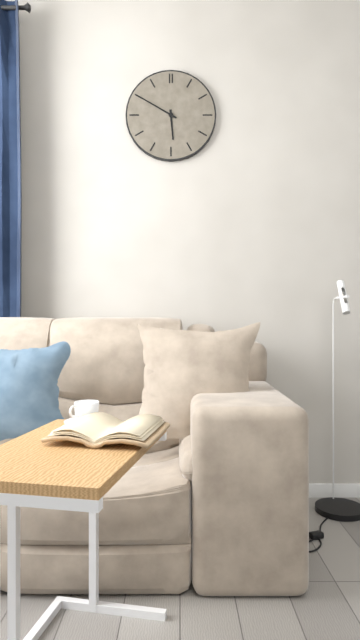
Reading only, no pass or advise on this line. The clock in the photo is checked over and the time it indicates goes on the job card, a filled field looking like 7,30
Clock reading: 5,50
